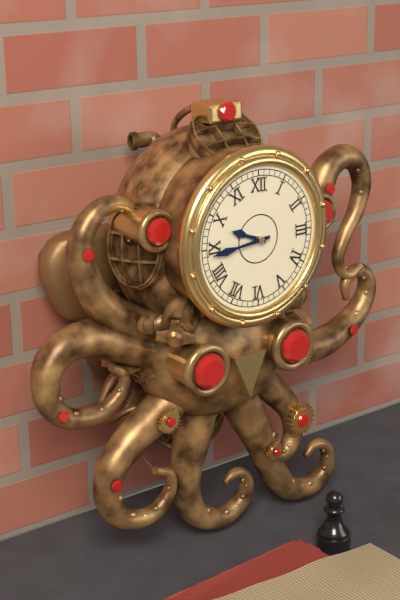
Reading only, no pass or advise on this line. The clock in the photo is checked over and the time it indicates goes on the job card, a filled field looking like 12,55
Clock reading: 9,44
